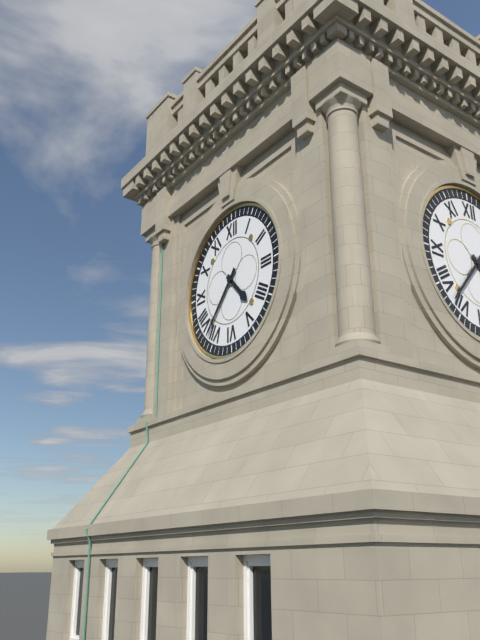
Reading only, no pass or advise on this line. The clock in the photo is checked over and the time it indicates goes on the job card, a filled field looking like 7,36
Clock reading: 4,37
